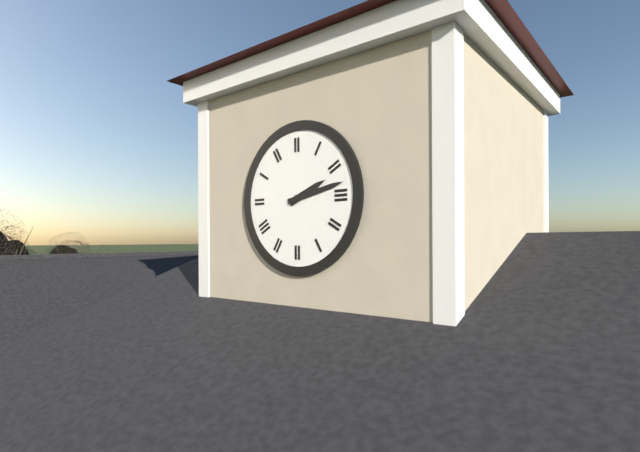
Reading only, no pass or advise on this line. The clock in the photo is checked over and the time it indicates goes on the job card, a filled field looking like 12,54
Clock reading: 2,13
